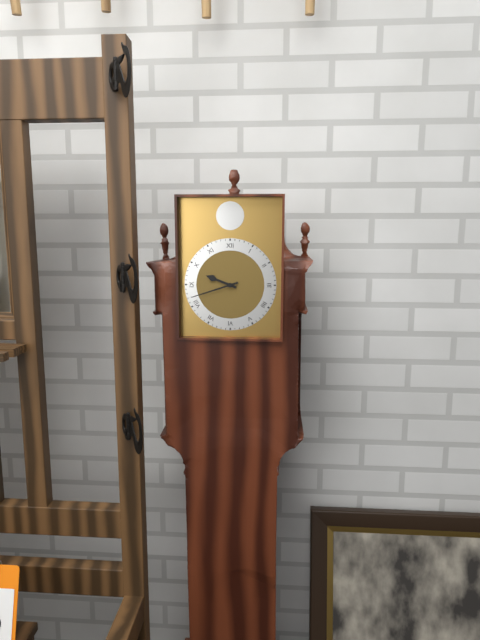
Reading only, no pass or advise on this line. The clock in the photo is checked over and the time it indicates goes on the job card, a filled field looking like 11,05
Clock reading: 9,42
